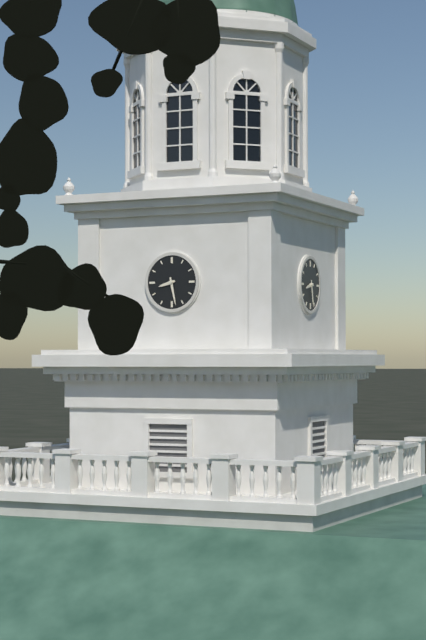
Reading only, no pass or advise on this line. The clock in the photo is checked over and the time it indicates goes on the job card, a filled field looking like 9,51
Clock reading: 8,28
